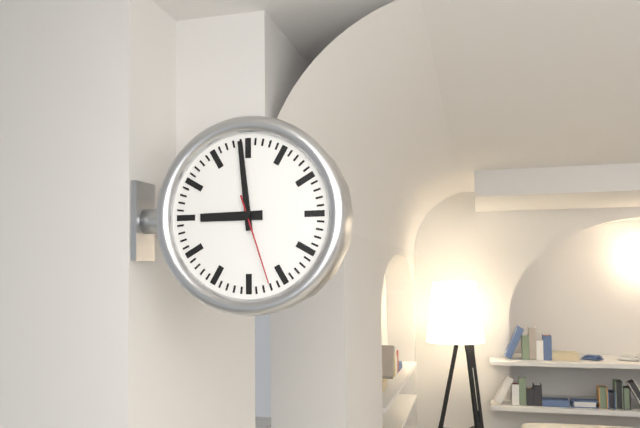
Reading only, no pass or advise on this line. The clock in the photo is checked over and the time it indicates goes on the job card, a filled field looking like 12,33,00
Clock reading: 8,59,27
